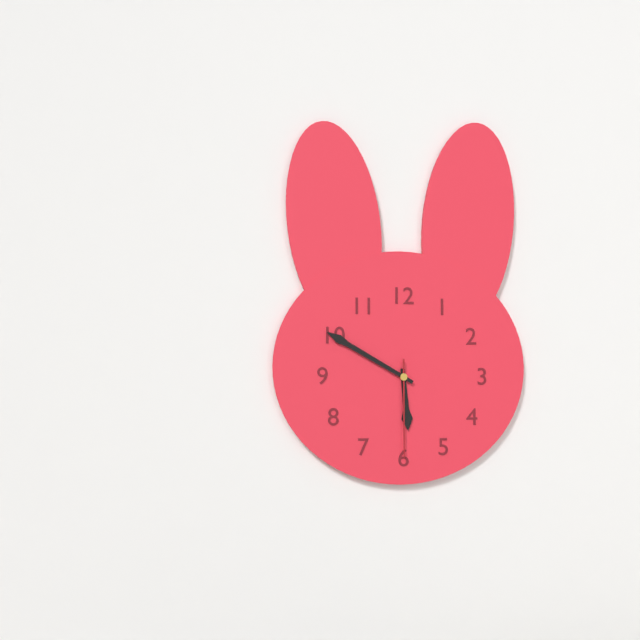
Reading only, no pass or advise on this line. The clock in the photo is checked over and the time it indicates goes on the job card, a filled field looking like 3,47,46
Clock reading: 5,50,30
